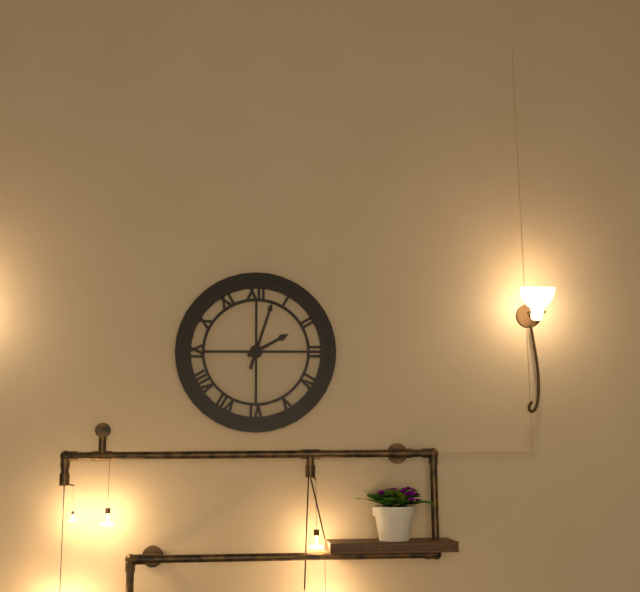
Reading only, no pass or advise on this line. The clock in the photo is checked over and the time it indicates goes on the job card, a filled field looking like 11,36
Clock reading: 2,03
